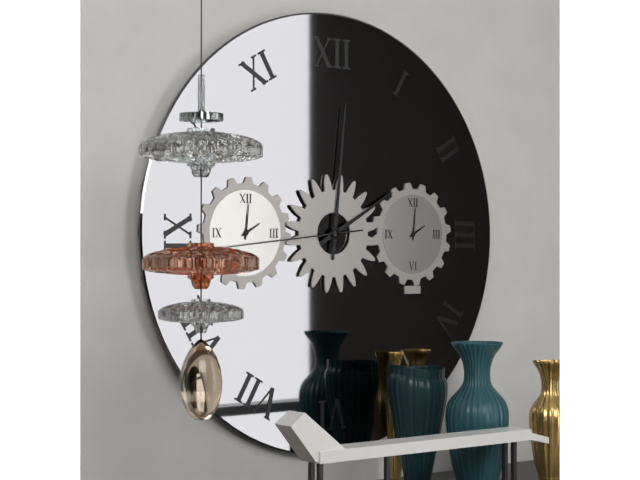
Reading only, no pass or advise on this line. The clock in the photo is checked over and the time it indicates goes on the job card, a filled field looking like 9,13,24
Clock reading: 2,01,44
